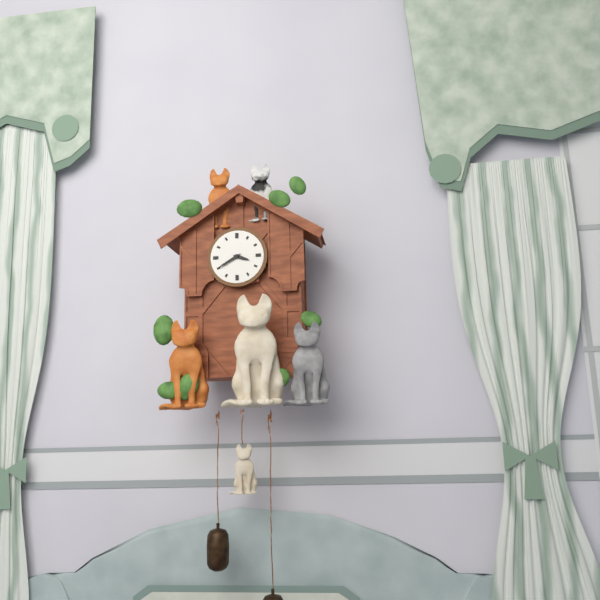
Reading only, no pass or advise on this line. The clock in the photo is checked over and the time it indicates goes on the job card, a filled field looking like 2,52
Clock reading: 3,40
